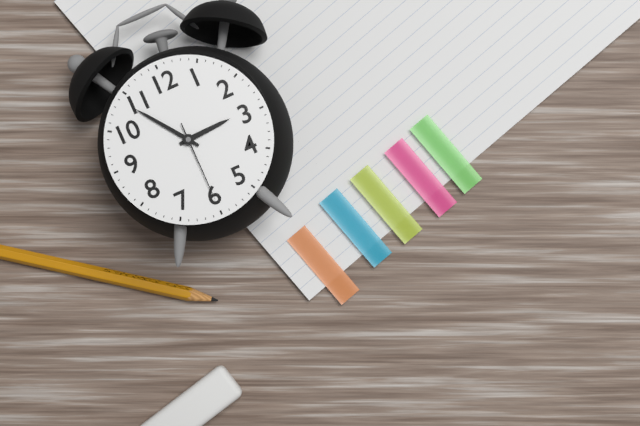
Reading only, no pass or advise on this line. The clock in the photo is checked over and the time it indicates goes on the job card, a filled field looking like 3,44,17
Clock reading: 2,54,30
